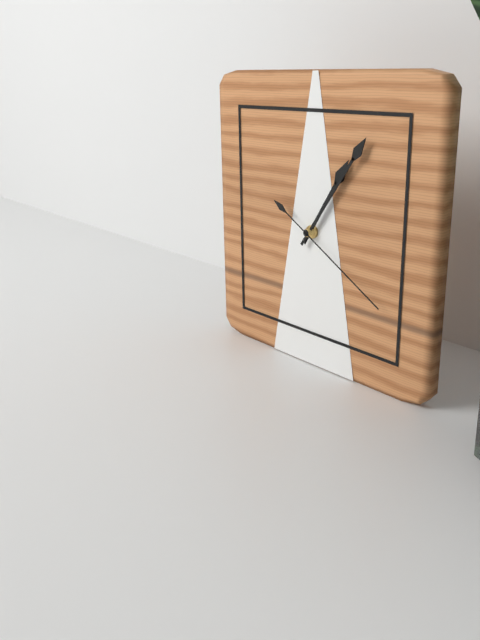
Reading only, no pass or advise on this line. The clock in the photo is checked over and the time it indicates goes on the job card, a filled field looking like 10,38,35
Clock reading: 1,06,20
